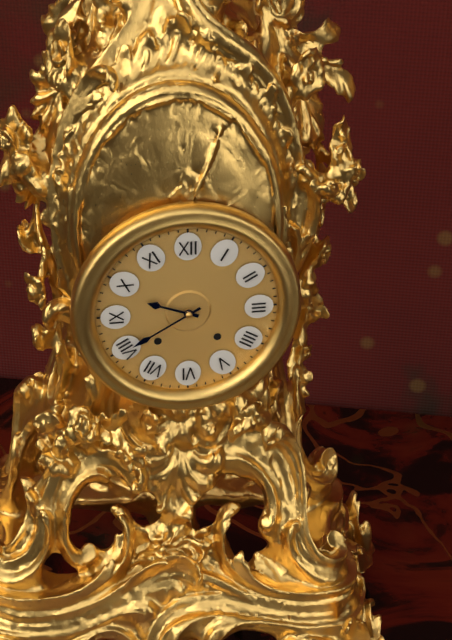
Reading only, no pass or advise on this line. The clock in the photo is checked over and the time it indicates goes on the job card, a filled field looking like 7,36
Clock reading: 9,40
